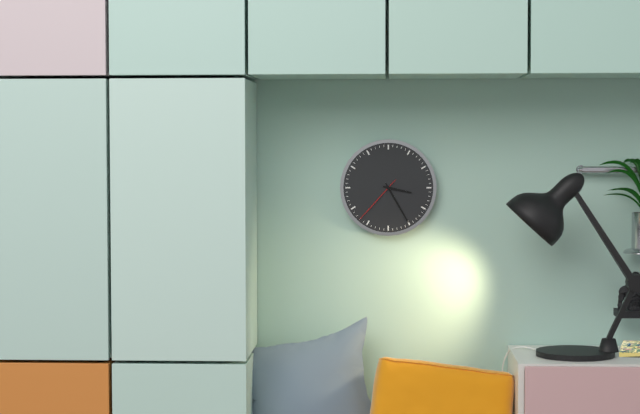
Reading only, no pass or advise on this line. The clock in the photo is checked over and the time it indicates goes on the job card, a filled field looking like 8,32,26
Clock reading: 3,25,37
